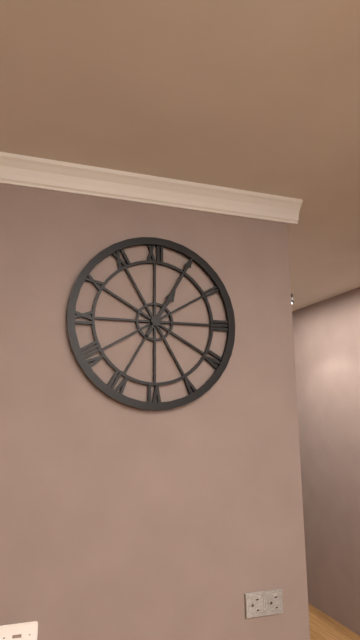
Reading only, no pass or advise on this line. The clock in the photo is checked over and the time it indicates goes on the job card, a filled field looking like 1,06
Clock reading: 1,05
